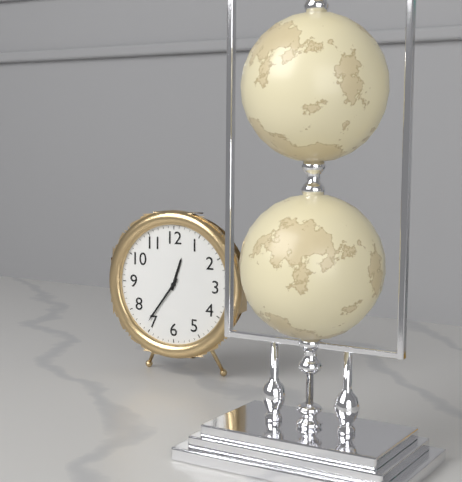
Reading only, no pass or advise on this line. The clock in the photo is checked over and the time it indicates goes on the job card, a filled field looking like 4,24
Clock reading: 12,36
